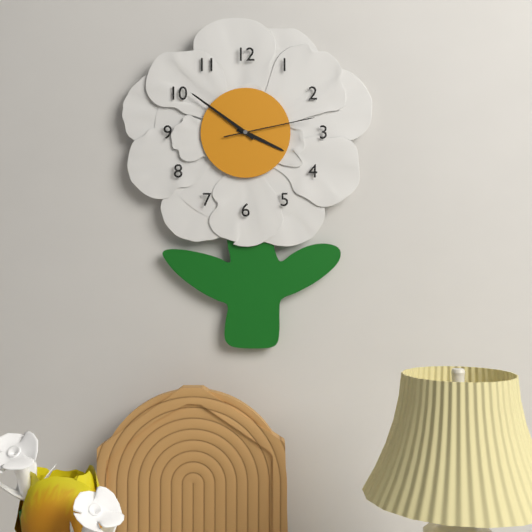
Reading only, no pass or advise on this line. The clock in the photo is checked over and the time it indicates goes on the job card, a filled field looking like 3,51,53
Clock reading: 3,51,13
